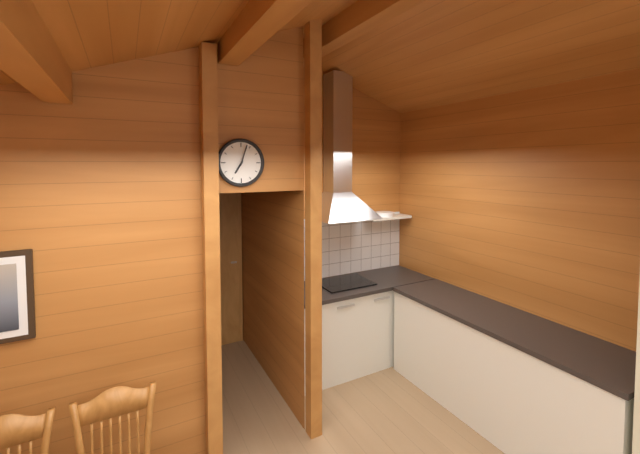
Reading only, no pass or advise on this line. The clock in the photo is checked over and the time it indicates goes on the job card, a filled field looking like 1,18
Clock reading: 7,03
